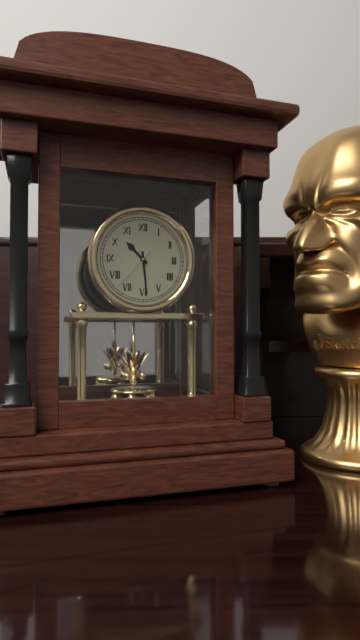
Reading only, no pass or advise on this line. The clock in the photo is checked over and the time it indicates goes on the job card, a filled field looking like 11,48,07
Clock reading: 10,29,37
